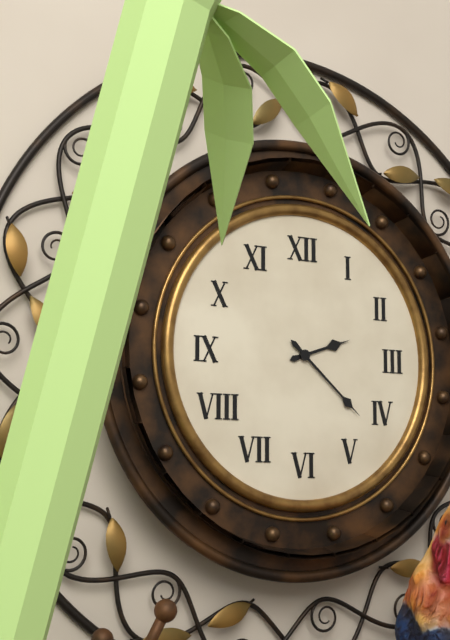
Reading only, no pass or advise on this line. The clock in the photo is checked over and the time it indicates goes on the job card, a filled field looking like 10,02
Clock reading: 2,22
